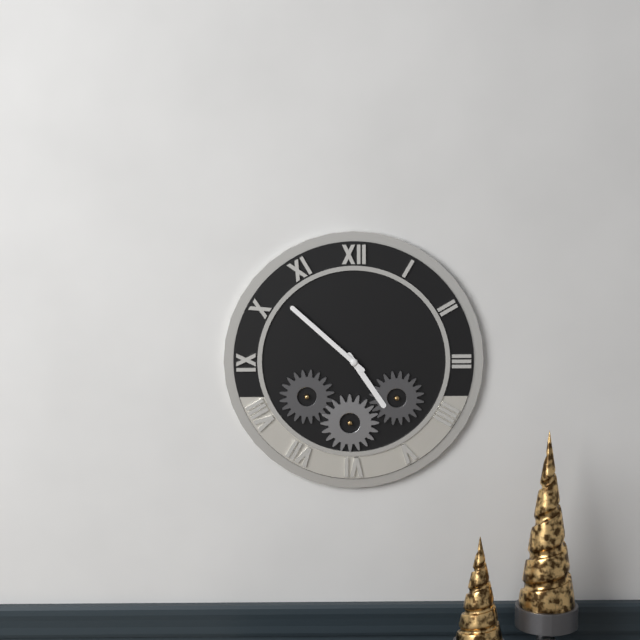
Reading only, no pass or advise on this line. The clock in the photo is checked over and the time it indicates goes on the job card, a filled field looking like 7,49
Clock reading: 4,52
